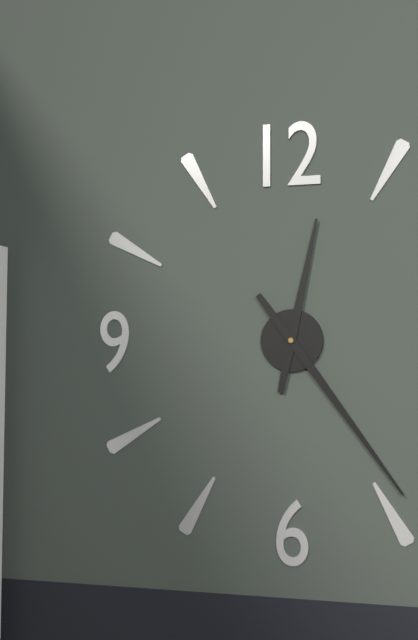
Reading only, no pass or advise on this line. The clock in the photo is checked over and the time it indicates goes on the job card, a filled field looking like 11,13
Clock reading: 12,24
